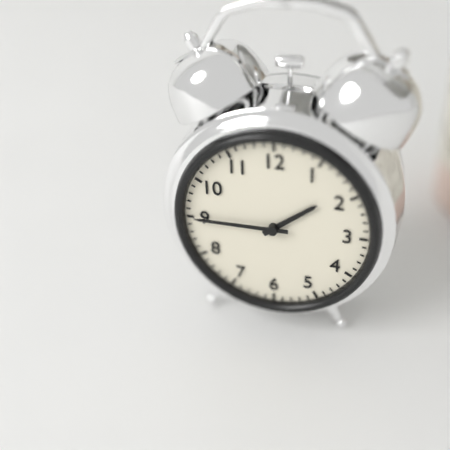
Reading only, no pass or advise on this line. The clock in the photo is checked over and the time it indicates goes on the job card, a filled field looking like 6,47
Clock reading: 1,45
